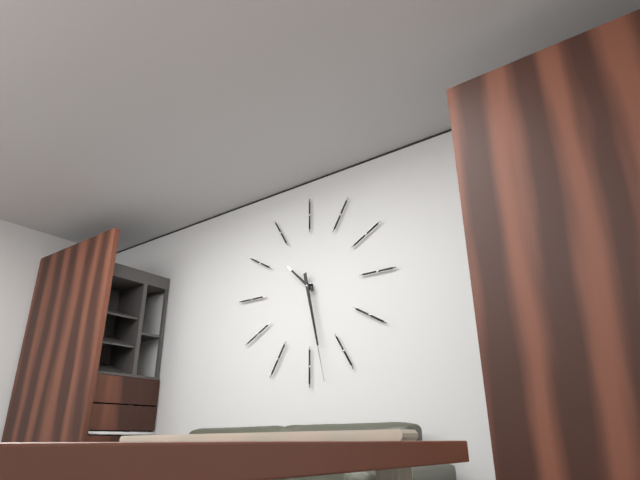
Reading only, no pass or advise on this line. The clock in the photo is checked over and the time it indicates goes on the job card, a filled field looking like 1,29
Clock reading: 10,28
